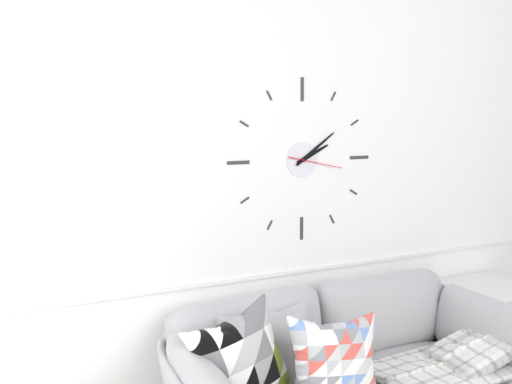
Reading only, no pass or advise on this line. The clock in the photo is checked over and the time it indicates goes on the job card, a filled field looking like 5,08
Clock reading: 2,09
